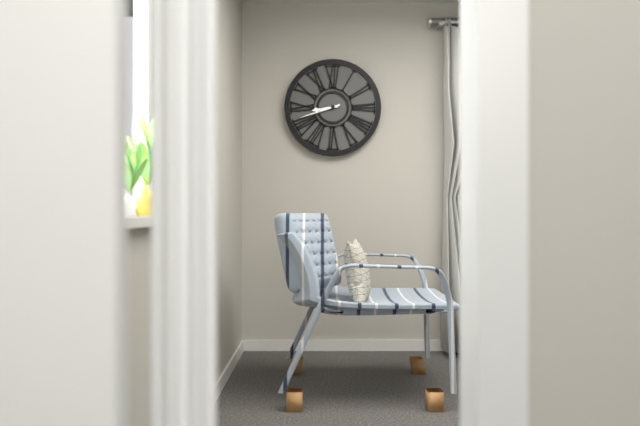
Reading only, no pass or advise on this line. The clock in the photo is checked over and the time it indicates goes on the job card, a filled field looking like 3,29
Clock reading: 8,42
